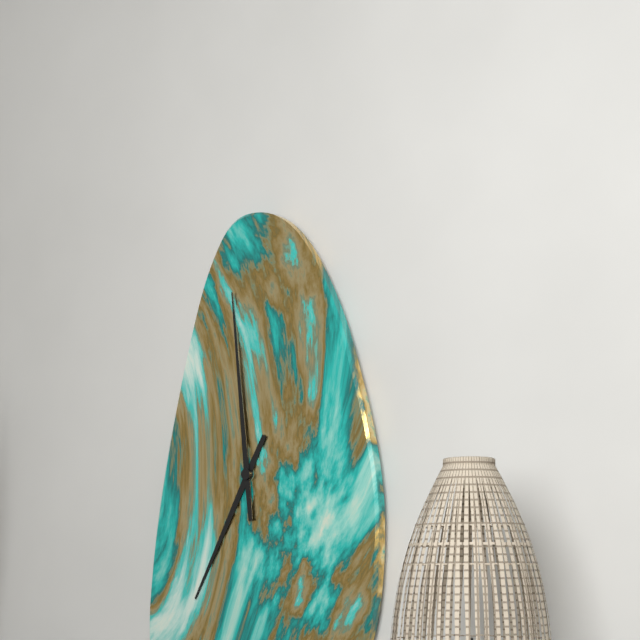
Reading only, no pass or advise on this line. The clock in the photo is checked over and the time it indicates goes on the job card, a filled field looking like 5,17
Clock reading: 6,59
